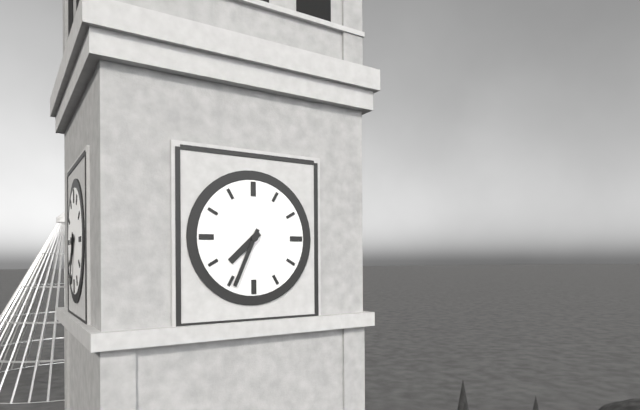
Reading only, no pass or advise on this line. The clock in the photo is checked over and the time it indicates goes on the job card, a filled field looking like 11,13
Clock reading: 7,34
